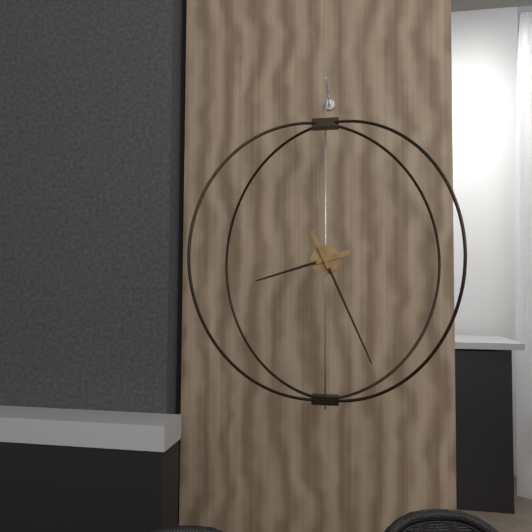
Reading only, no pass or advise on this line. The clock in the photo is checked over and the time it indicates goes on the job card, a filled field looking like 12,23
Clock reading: 8,26
